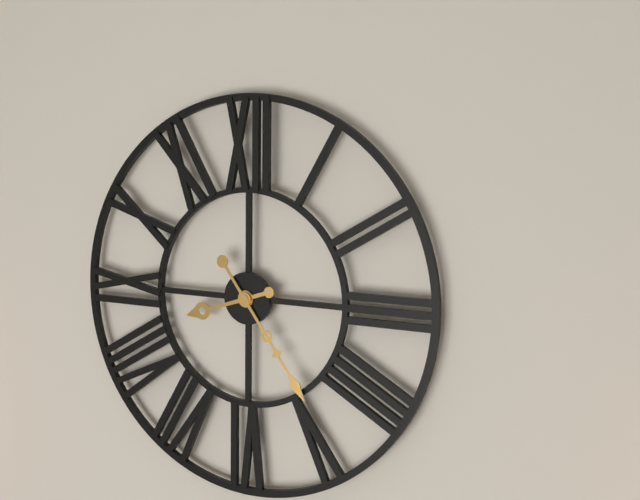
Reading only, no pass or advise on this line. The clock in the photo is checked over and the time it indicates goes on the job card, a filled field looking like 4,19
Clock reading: 8,24
